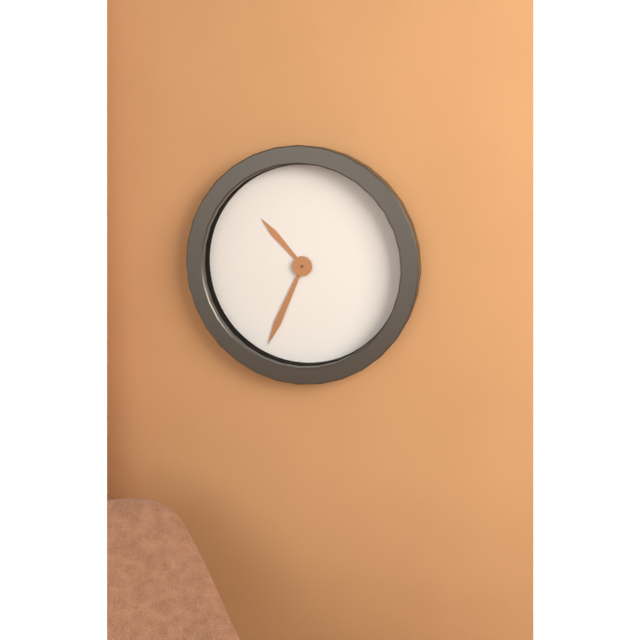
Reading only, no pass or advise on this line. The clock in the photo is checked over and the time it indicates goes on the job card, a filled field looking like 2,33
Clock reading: 10,34
